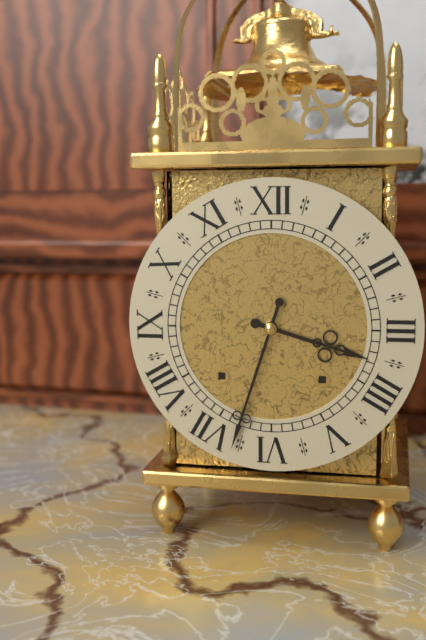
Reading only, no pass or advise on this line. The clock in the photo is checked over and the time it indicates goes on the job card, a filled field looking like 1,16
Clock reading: 3,33
